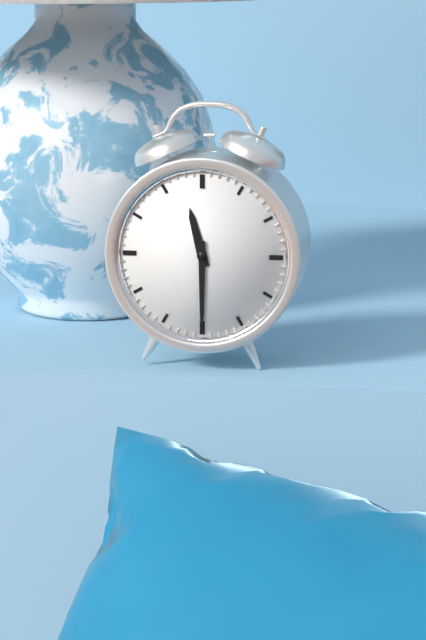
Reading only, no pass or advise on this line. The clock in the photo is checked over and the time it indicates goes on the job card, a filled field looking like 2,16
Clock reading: 11,30
